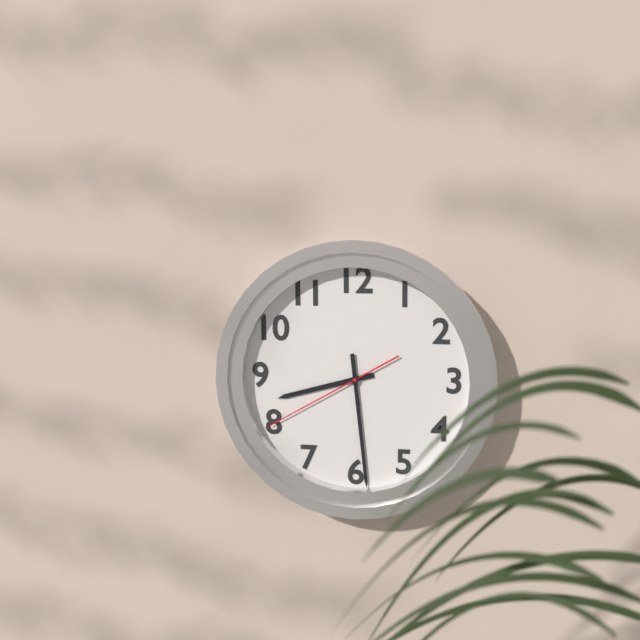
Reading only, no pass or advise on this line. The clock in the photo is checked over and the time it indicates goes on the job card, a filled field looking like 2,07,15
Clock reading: 8,29,40
